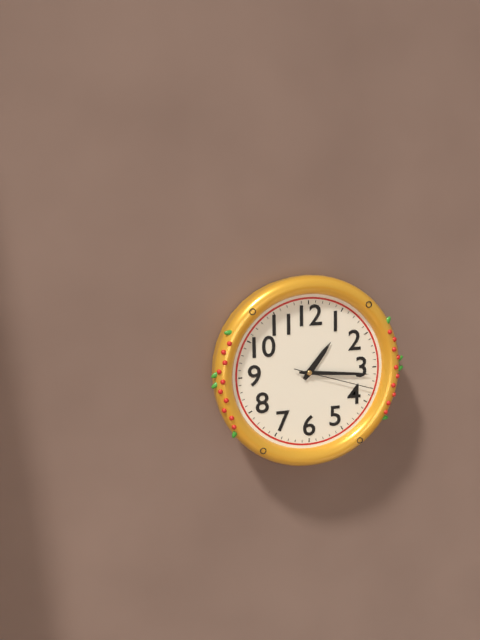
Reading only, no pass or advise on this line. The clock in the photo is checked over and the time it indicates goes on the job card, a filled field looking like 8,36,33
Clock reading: 1,16,18
